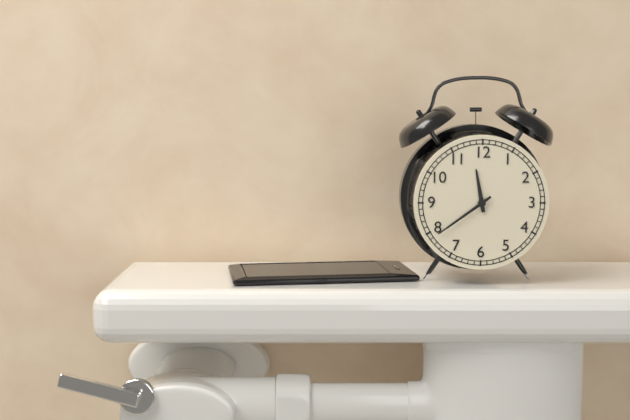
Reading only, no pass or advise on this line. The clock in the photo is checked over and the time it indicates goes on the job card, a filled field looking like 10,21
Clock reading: 11,39
